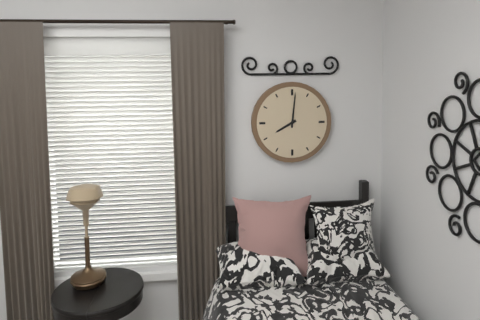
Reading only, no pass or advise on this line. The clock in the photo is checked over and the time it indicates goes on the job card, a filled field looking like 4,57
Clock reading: 8,01
